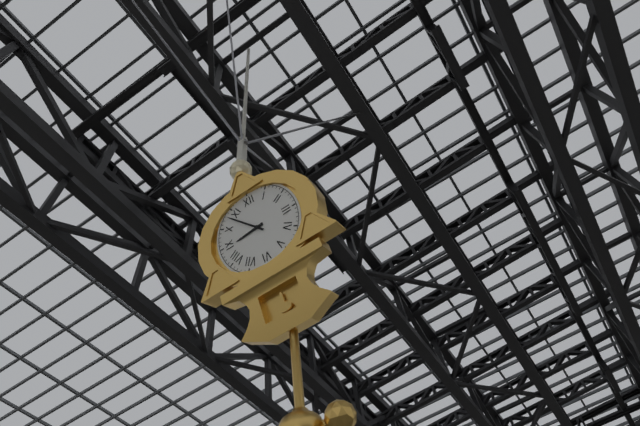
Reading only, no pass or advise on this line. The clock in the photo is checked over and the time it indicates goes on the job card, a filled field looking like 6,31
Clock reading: 8,53
